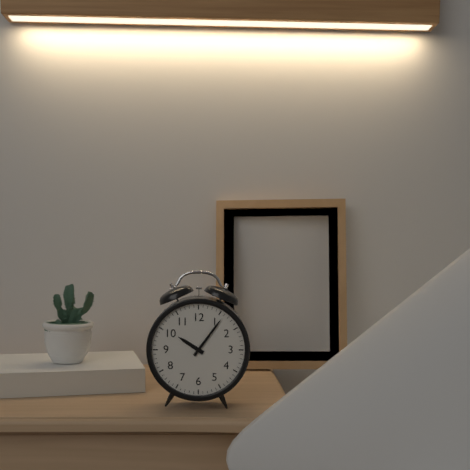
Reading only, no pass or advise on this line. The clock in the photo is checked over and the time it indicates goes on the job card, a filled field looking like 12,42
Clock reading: 10,06
